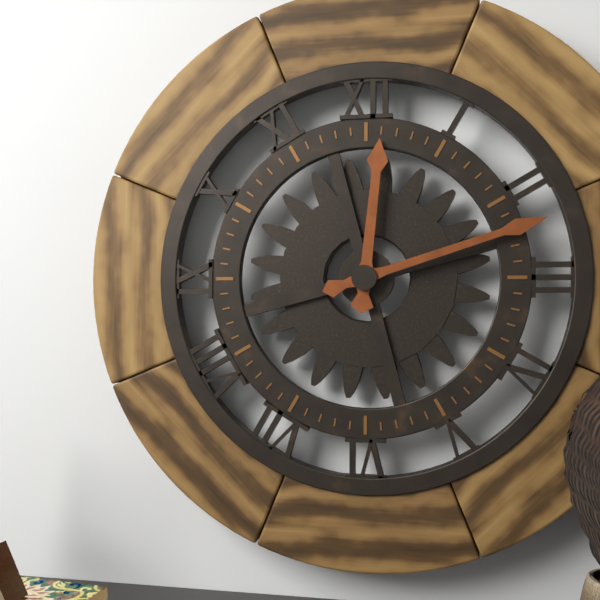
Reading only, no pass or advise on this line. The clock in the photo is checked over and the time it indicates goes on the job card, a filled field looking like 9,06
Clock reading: 12,12
